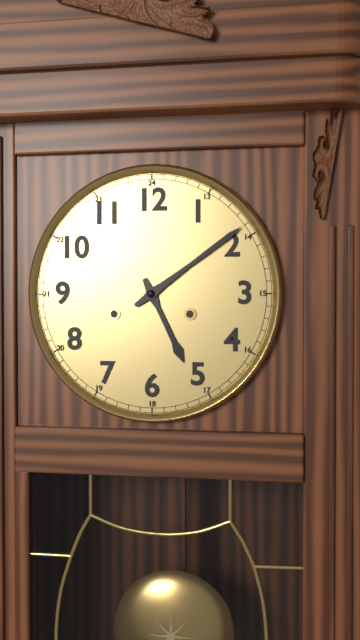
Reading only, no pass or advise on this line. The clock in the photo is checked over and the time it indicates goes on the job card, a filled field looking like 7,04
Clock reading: 5,09
